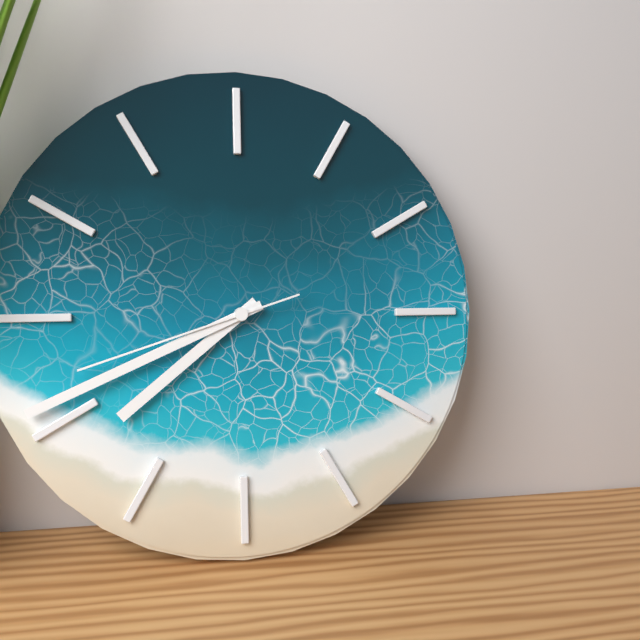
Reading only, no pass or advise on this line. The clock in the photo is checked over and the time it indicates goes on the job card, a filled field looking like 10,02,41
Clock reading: 7,41,42
